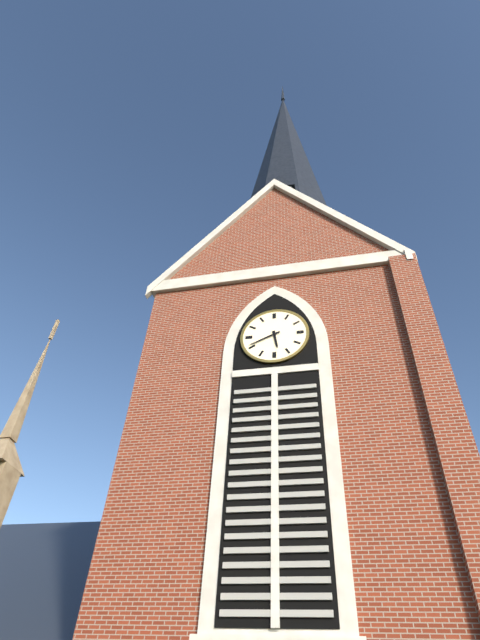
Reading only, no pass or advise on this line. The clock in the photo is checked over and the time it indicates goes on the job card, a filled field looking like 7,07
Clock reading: 5,41
